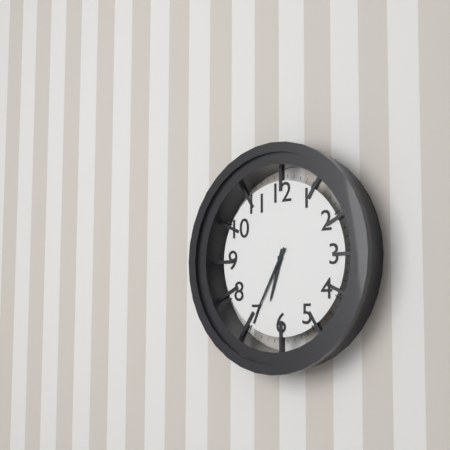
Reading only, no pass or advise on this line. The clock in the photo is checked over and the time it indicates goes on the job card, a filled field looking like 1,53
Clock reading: 6,35
